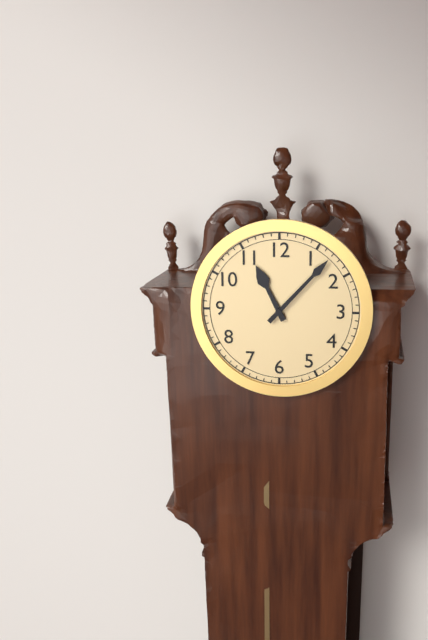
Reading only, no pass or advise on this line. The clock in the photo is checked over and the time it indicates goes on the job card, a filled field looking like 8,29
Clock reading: 11,07
